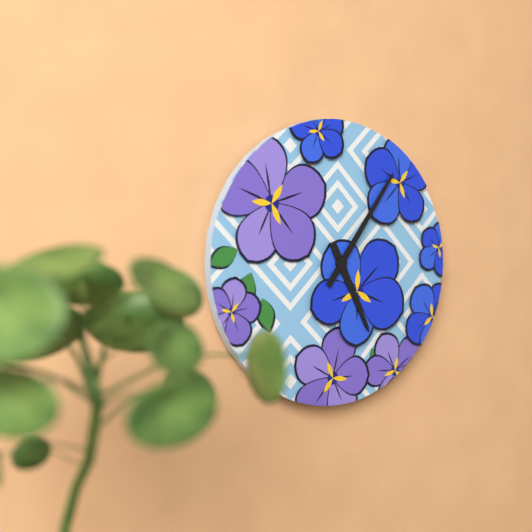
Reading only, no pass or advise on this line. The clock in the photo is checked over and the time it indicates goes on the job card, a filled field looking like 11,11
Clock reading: 5,06
